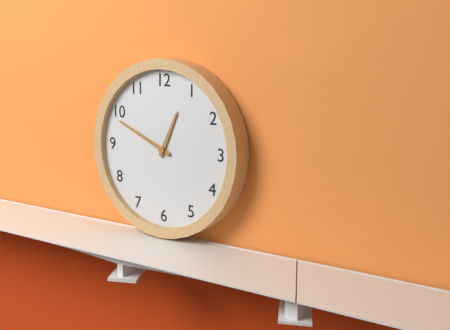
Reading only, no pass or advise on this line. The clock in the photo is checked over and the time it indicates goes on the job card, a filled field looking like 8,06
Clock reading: 12,49
